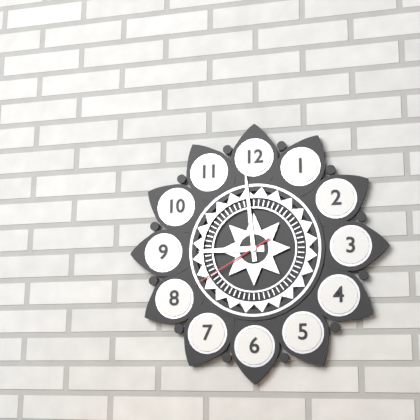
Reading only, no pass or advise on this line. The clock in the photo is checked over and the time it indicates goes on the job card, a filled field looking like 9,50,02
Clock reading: 8,59,40
